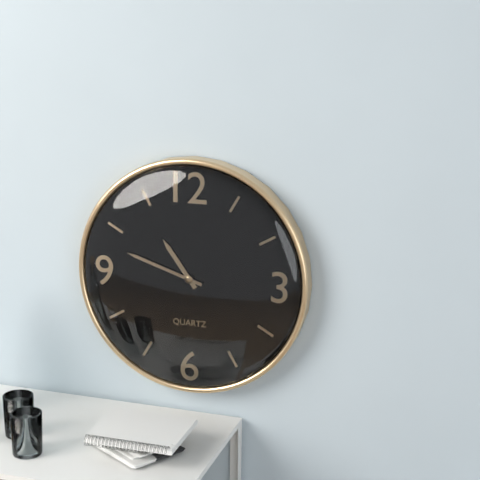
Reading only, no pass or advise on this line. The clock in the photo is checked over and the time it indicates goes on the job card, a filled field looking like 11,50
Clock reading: 10,48
